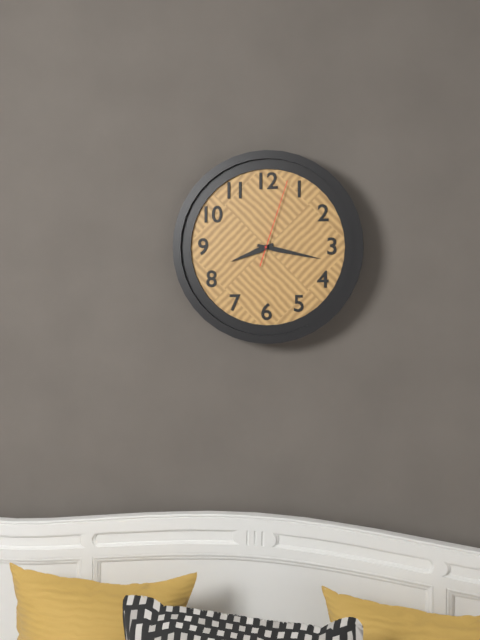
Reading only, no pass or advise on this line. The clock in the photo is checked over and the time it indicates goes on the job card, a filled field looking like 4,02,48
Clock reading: 8,17,03
